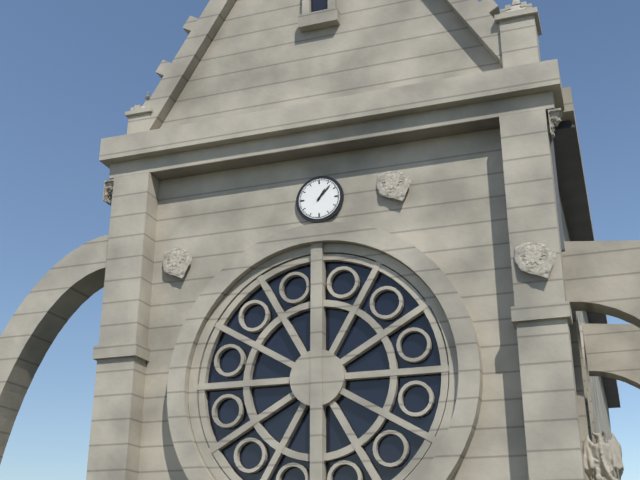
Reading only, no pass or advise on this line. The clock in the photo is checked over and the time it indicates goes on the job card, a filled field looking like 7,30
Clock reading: 1,07
